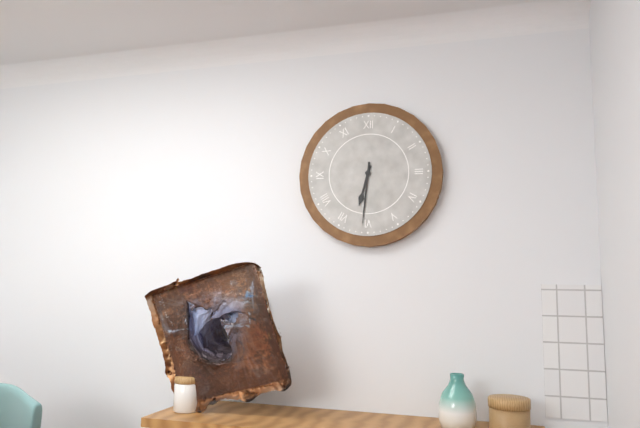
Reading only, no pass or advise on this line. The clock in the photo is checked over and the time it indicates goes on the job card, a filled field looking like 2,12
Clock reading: 6,31
